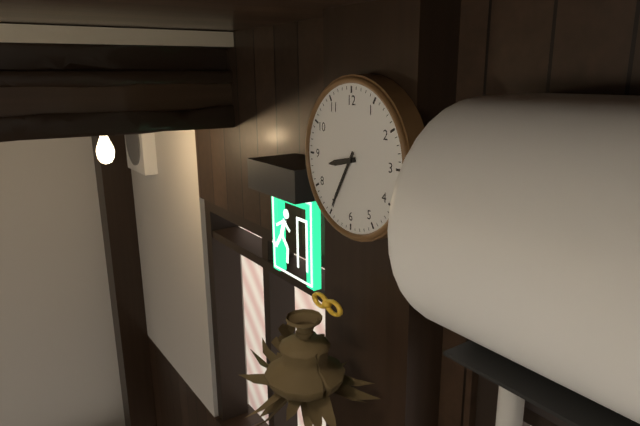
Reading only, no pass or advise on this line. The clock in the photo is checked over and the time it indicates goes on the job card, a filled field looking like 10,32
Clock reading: 8,35
